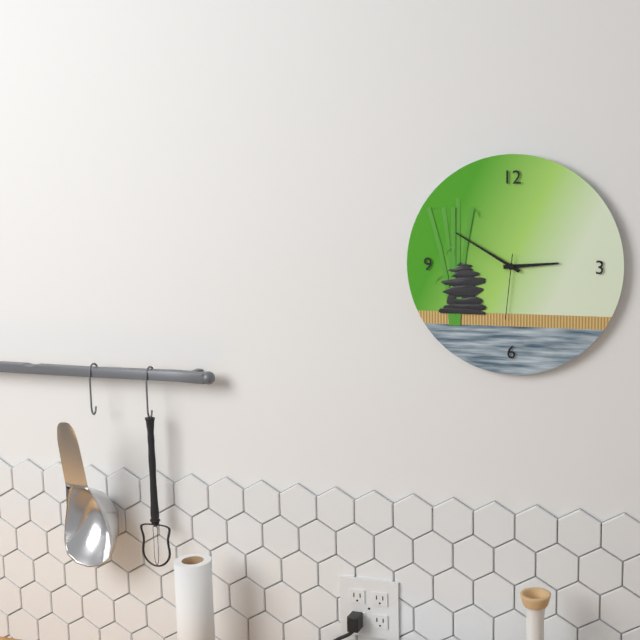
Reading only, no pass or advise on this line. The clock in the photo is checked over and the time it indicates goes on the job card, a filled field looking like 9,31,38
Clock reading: 2,50,31
